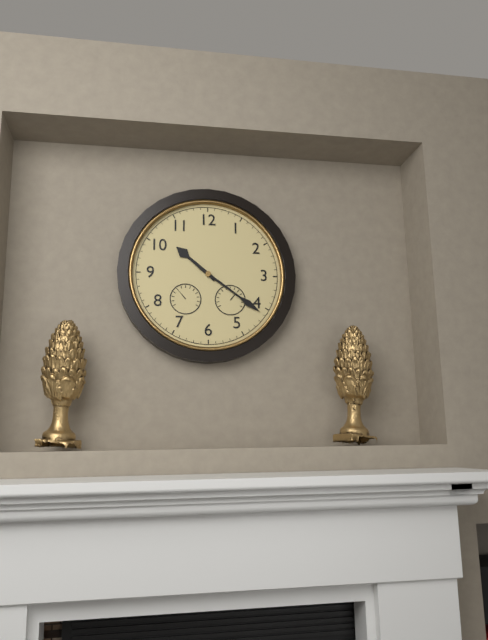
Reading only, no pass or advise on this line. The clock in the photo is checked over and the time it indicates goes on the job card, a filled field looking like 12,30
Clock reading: 10,21
